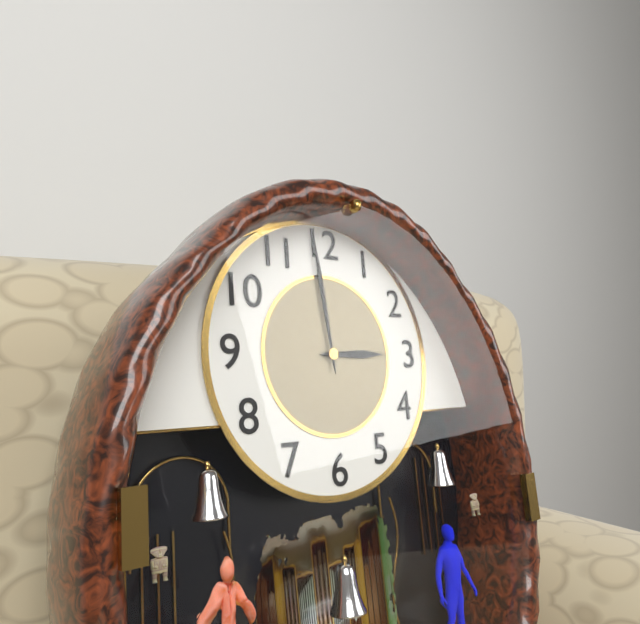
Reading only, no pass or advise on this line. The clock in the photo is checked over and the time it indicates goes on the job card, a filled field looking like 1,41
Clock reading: 2,59
